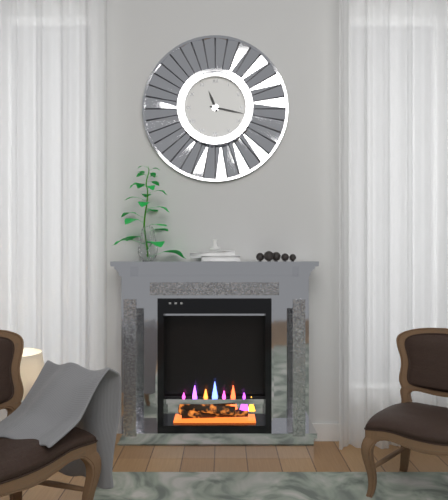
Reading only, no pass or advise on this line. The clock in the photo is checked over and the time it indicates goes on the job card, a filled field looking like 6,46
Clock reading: 11,17
